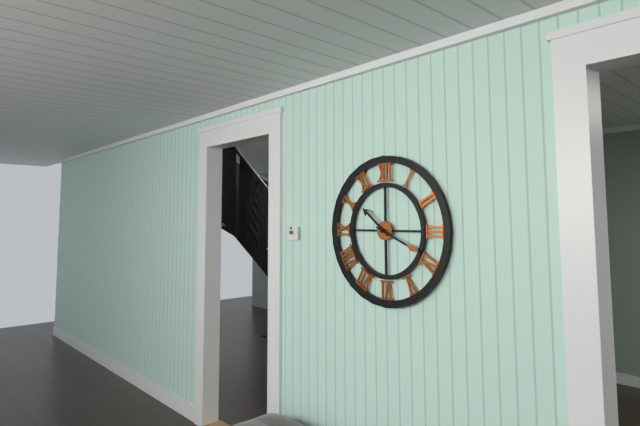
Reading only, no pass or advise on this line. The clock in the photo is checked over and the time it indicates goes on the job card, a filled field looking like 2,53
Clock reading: 10,19
